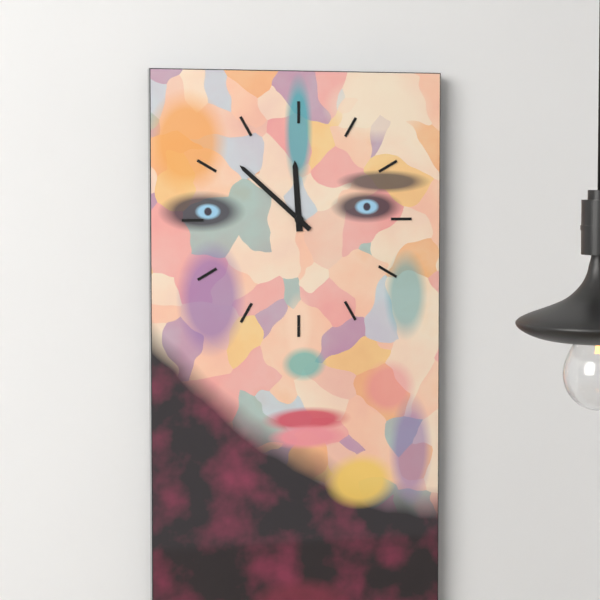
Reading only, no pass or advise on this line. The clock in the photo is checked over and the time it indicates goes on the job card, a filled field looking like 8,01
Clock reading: 11,52
